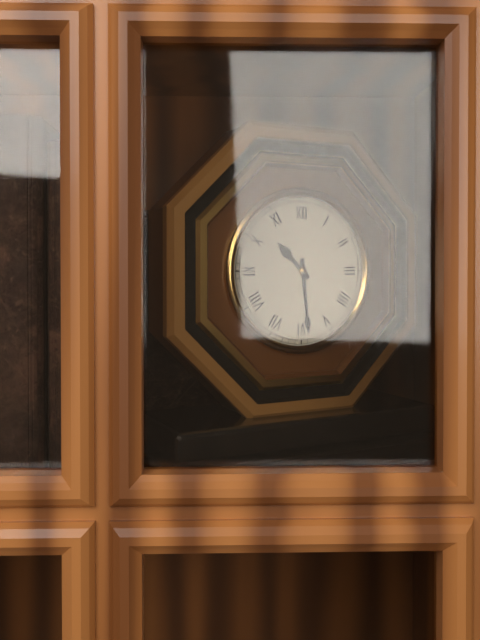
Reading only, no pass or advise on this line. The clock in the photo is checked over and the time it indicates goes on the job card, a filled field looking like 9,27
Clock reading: 10,29
